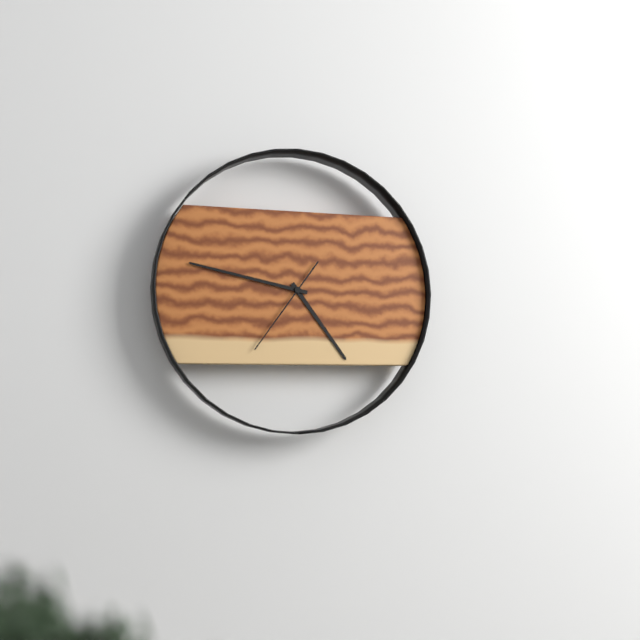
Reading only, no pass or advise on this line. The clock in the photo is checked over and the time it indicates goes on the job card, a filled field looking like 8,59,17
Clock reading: 4,47,36
